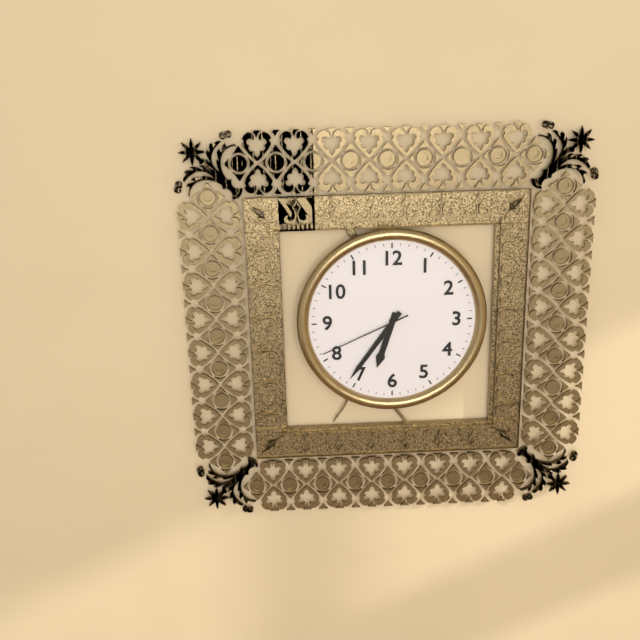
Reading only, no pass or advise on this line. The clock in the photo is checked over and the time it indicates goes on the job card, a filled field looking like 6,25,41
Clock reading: 6,36,41
